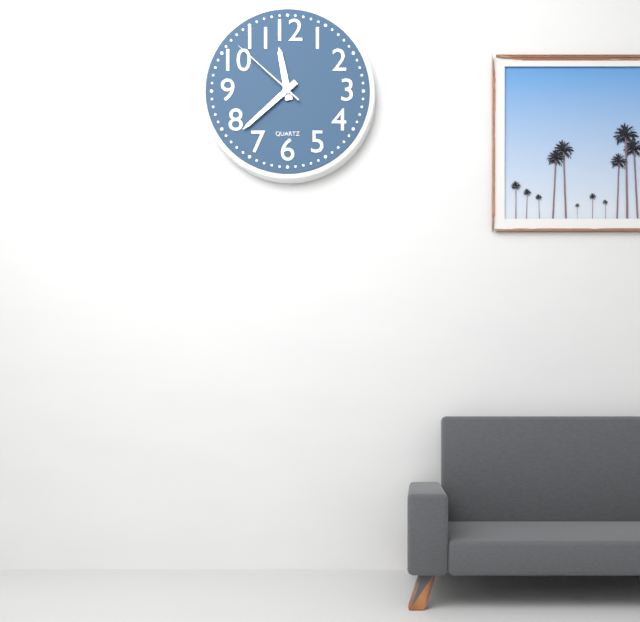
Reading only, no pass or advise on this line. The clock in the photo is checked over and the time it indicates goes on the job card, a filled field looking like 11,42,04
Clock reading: 11,38,52
